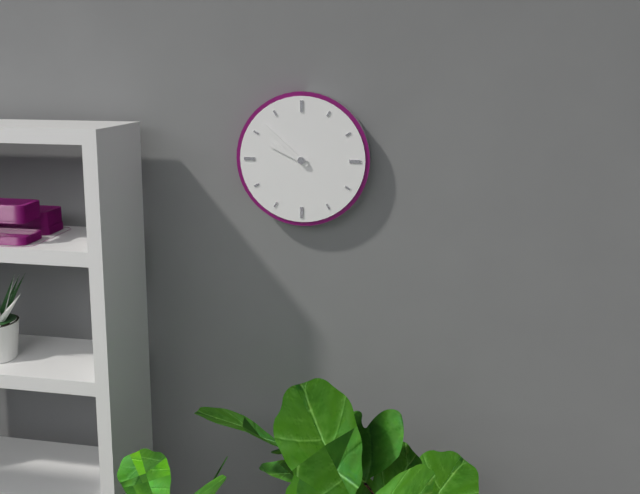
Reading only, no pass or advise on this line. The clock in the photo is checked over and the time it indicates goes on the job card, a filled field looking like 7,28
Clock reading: 9,52
